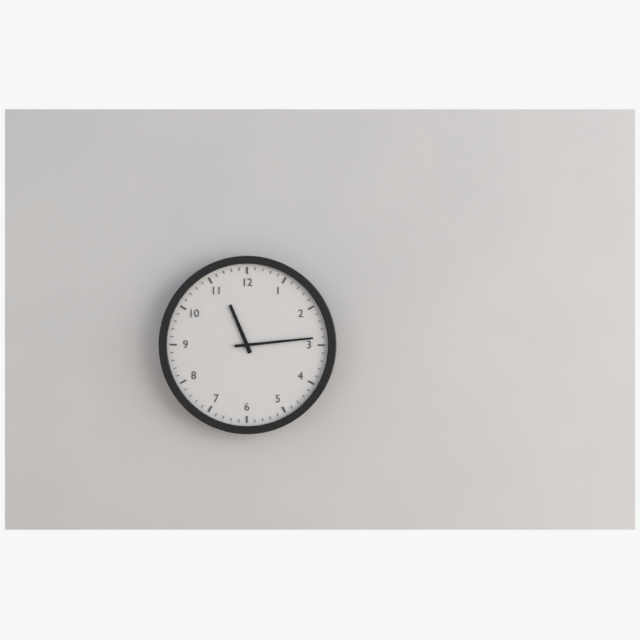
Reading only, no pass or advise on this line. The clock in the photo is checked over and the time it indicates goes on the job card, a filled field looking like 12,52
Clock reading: 11,14
